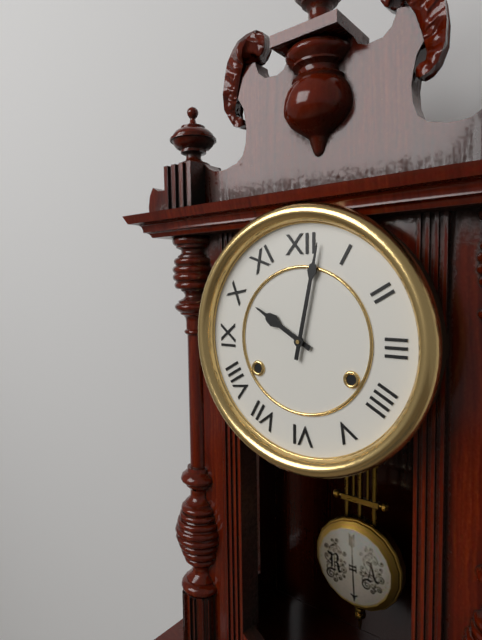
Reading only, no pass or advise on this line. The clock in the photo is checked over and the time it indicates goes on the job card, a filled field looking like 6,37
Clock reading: 10,02
